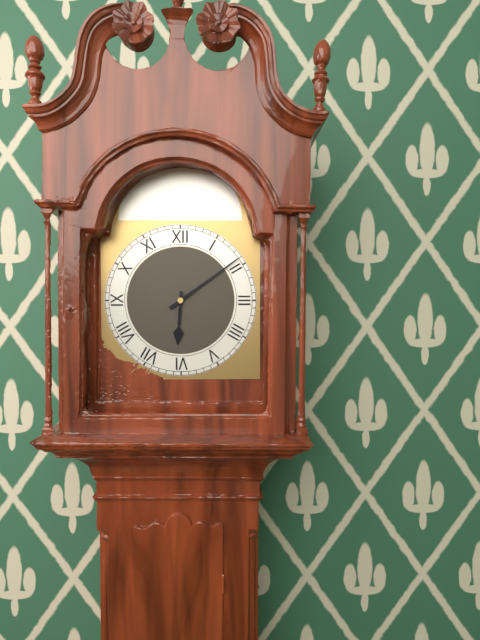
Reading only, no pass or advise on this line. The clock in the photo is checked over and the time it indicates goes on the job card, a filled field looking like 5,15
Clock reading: 6,09
